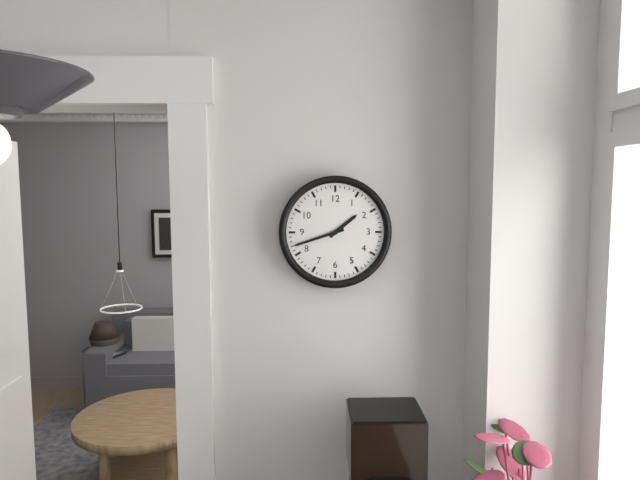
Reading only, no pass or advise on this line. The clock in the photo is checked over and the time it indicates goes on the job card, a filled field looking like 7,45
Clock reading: 1,42
